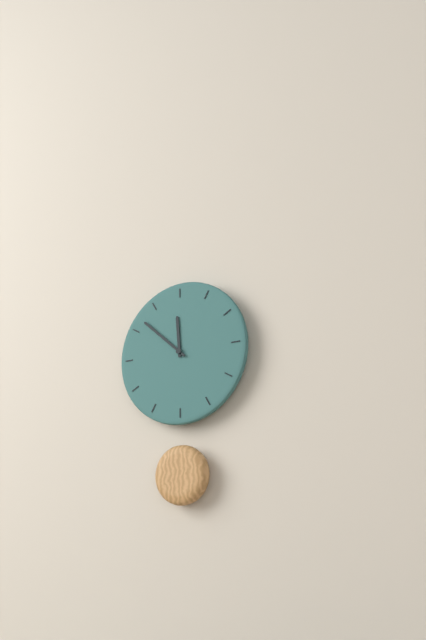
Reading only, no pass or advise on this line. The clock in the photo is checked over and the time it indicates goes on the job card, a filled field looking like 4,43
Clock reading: 11,52
